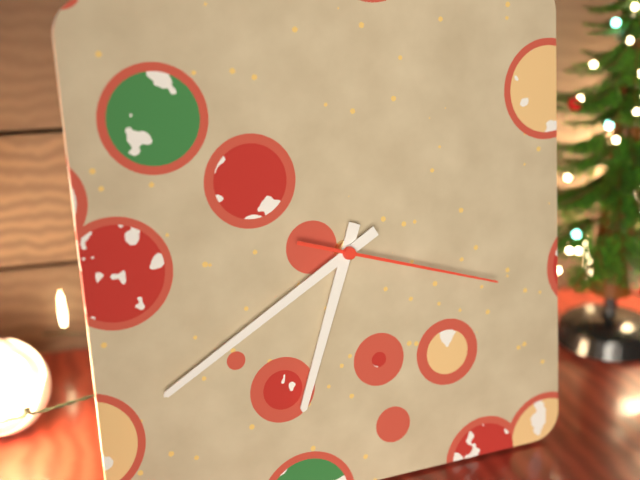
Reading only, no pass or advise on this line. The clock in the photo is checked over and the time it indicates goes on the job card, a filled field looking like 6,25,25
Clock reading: 6,40,18
